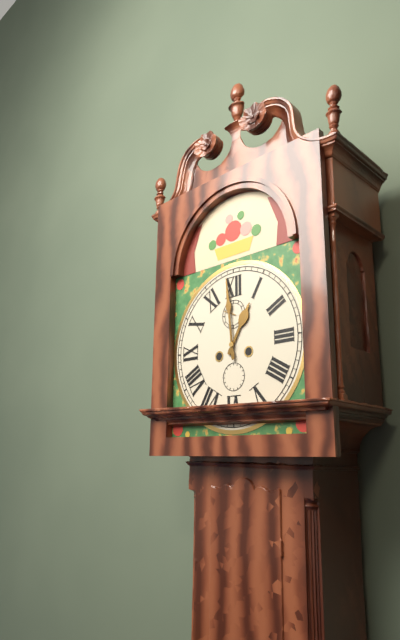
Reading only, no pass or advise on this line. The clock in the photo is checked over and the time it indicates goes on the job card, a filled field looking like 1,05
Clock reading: 12,59
